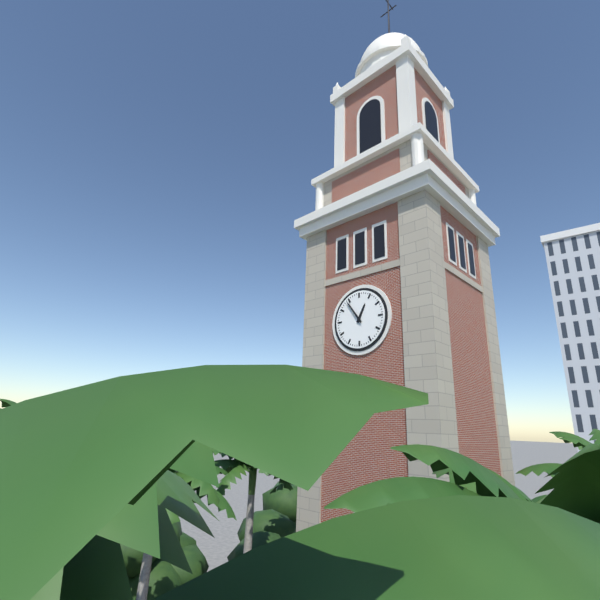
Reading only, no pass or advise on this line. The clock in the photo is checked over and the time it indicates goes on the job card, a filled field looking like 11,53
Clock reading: 12,54
